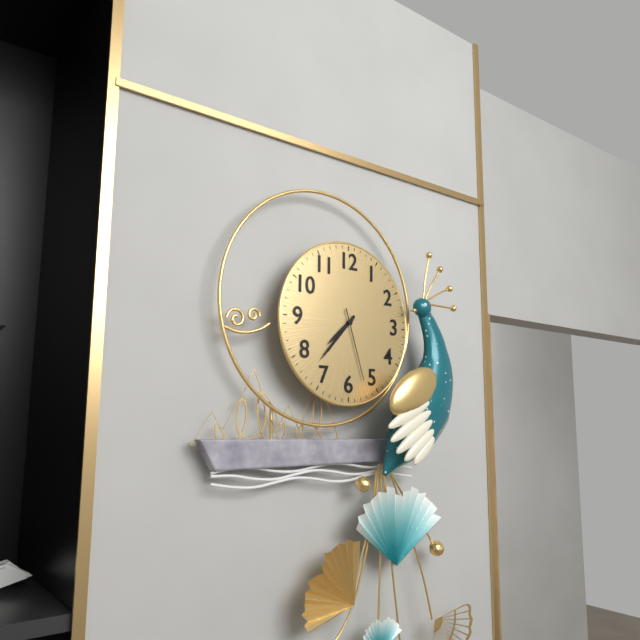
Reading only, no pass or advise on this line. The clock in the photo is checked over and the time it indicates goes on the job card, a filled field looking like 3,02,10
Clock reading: 7,37,27
